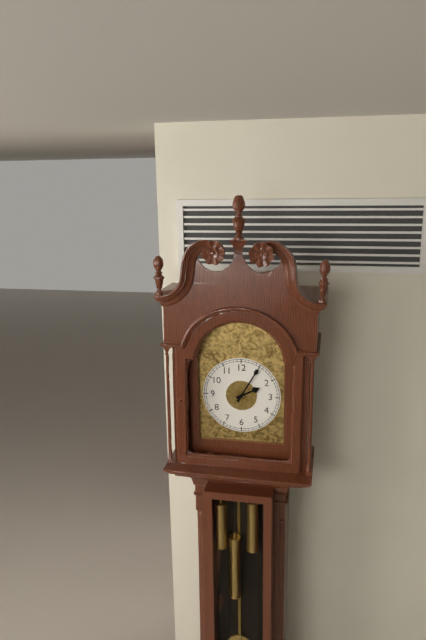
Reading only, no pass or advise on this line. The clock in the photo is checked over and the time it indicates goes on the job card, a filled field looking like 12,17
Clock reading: 2,05
